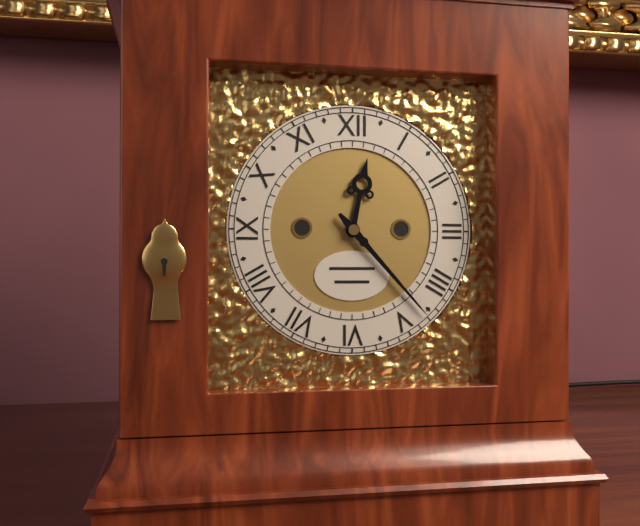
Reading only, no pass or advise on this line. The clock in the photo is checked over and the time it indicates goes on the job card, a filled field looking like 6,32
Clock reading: 12,23
